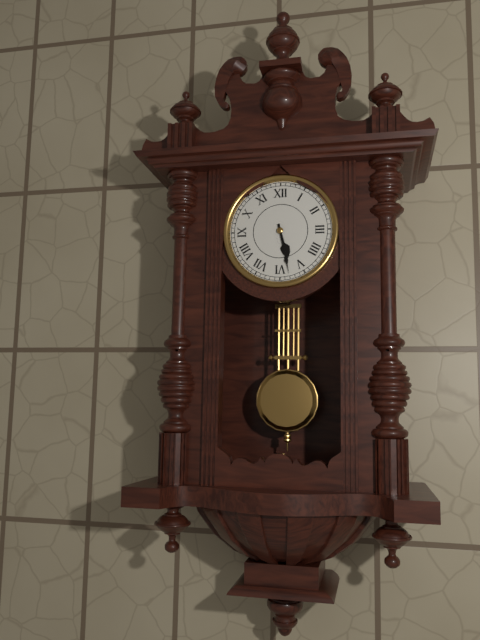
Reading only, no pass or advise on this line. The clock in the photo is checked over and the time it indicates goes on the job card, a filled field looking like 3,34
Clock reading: 5,28
